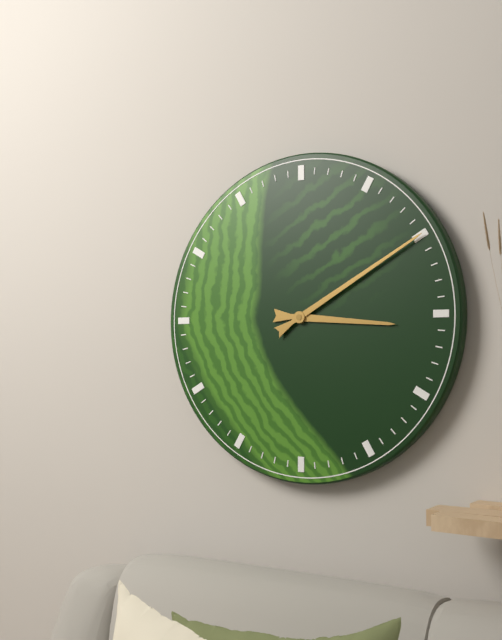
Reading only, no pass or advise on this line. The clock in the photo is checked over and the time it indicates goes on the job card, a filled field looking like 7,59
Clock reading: 3,10
